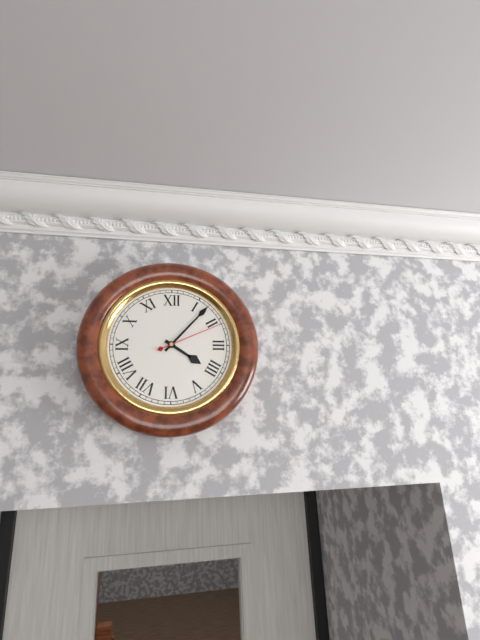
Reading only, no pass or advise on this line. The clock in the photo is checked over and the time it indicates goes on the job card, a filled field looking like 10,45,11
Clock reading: 4,07,11
